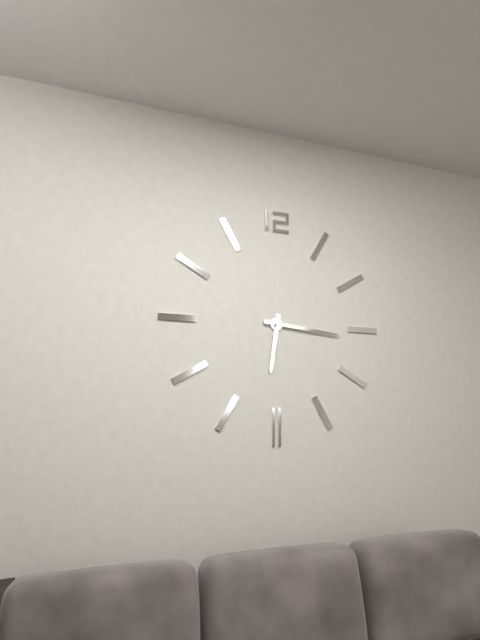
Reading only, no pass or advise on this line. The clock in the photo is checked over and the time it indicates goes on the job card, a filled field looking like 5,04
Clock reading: 6,16
